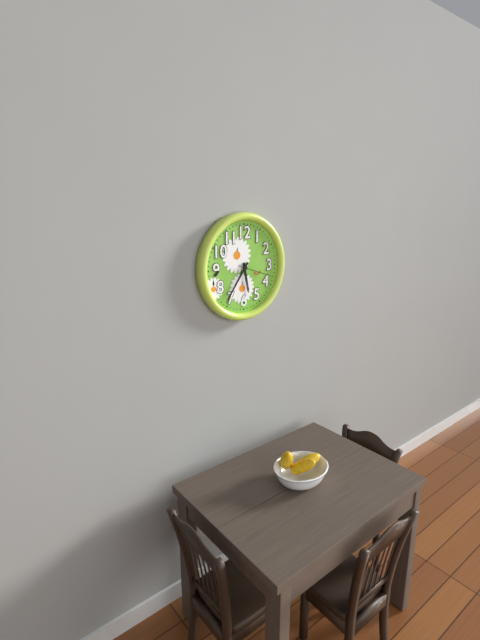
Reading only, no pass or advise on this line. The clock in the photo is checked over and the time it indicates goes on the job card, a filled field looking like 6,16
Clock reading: 5,36
